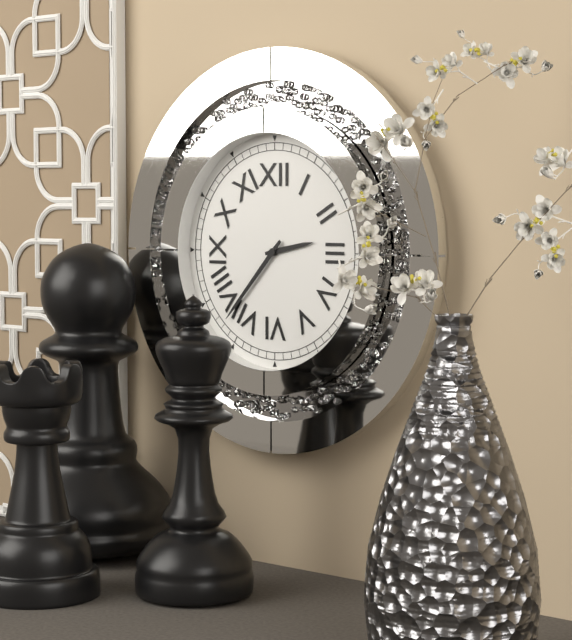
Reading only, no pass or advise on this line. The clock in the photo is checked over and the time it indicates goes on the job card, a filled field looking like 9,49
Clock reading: 2,37
